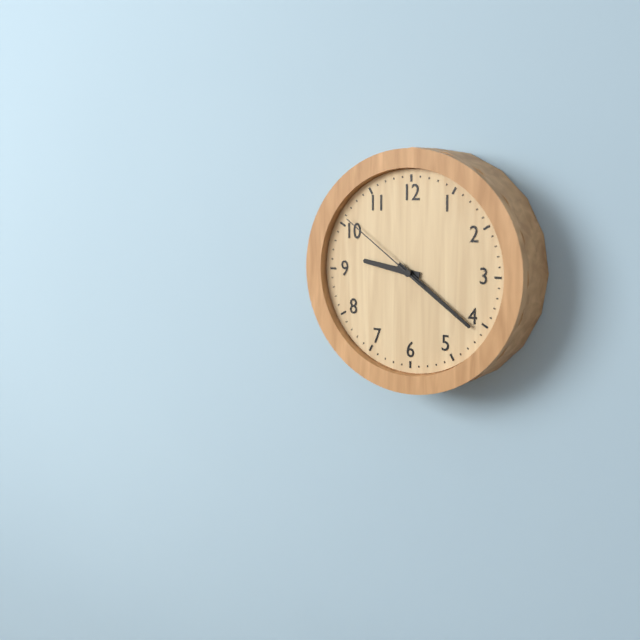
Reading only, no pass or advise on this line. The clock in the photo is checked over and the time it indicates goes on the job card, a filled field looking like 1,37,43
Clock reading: 9,21,51
